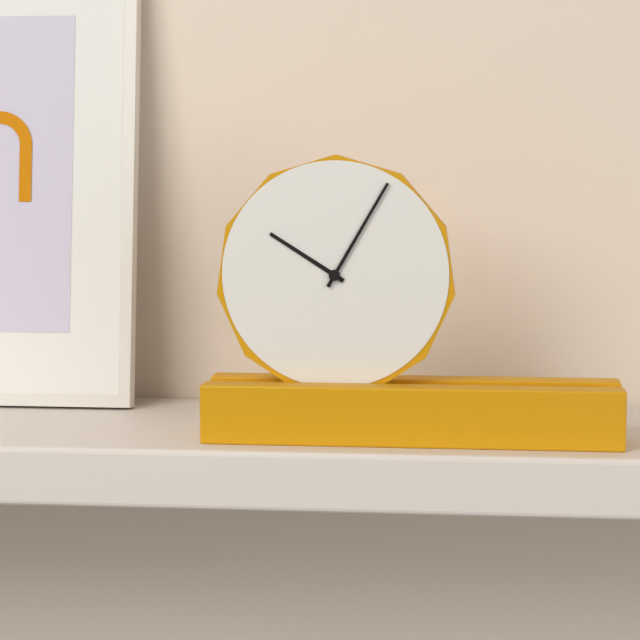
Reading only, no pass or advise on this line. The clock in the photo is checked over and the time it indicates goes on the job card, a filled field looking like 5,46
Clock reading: 10,05
